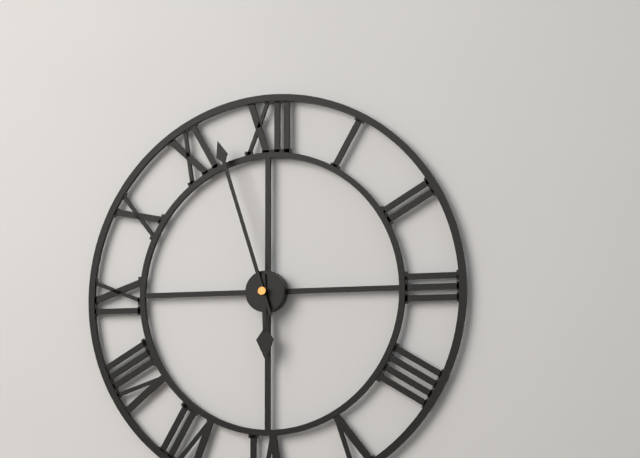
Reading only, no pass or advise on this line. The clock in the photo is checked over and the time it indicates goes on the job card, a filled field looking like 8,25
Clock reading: 5,57
